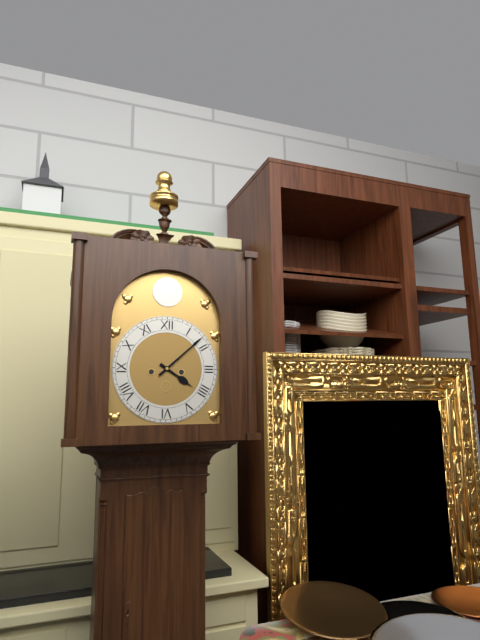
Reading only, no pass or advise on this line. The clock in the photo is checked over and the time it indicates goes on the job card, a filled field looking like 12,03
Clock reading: 4,08
